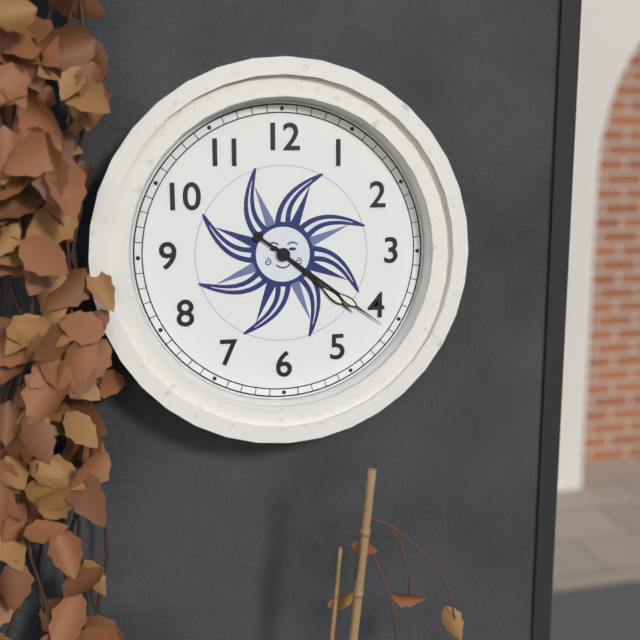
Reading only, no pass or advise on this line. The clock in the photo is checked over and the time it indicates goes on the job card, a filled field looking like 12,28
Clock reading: 4,21
